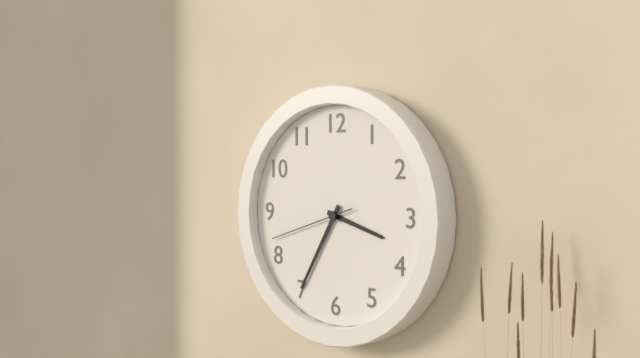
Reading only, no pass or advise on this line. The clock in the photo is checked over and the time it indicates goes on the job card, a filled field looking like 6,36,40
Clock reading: 3,35,42
